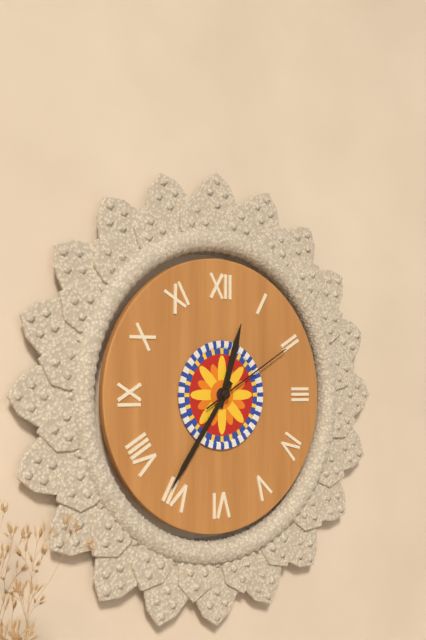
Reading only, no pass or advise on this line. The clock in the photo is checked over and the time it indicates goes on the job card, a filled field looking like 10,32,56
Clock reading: 12,36,10
